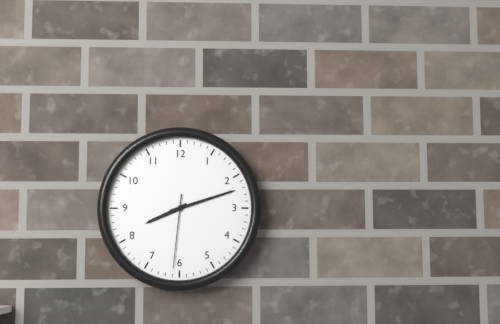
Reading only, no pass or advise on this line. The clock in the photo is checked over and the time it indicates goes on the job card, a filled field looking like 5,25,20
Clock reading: 8,12,31
